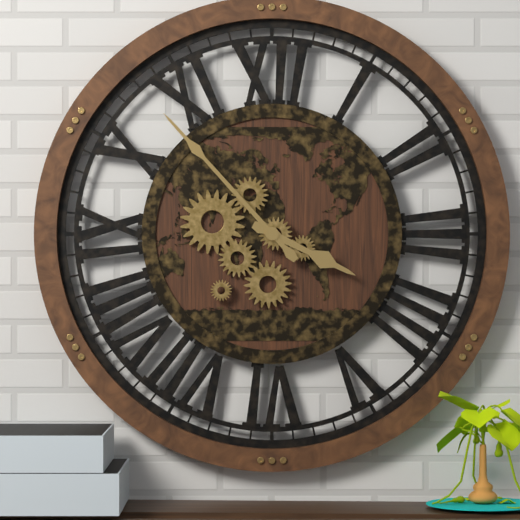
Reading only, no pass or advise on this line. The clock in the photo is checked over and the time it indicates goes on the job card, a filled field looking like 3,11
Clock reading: 3,53
